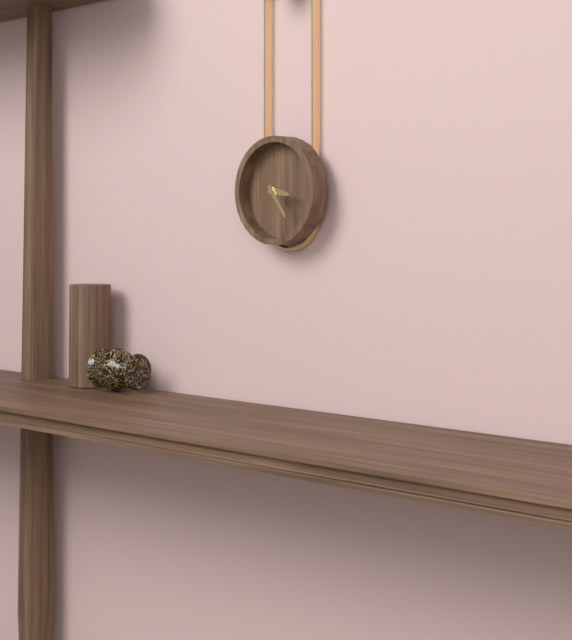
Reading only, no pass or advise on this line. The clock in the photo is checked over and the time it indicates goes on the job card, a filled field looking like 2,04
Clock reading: 3,24
